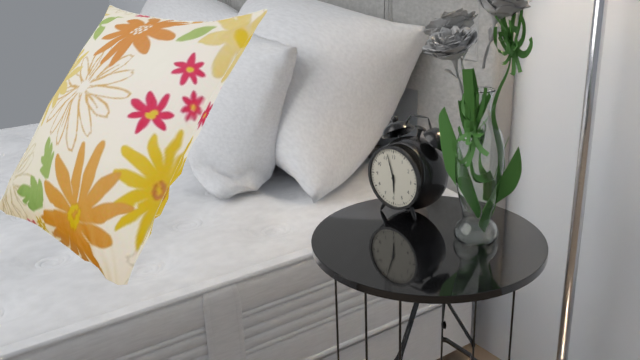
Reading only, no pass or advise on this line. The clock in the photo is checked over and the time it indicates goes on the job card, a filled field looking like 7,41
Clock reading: 5,57
